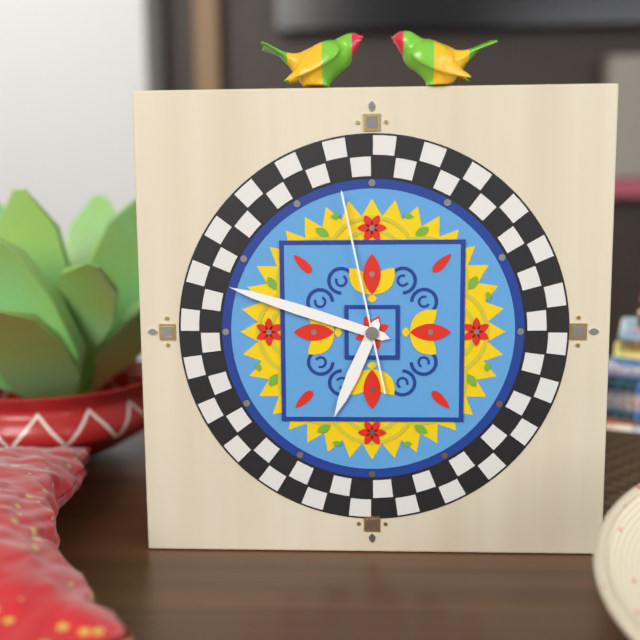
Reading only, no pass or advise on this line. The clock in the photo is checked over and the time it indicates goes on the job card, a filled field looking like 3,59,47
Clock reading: 6,48,58
